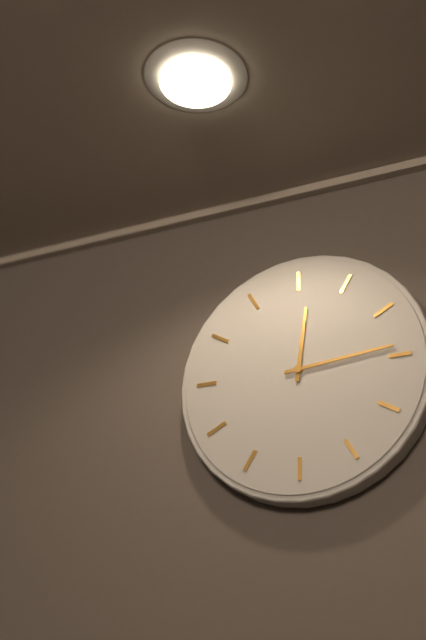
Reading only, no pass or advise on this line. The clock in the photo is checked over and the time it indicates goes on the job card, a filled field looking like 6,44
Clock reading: 12,14
